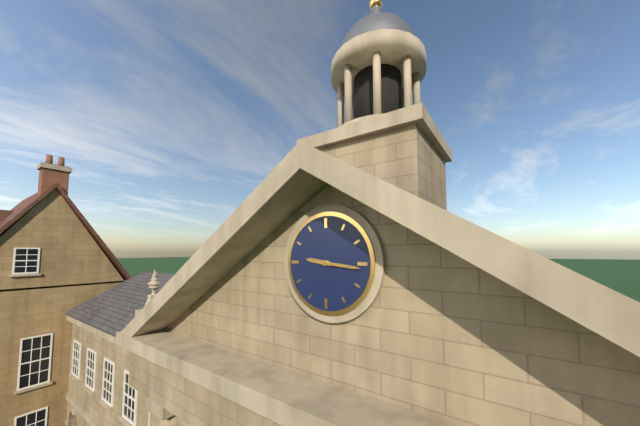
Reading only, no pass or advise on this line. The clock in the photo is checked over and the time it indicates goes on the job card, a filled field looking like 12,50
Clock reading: 9,16
